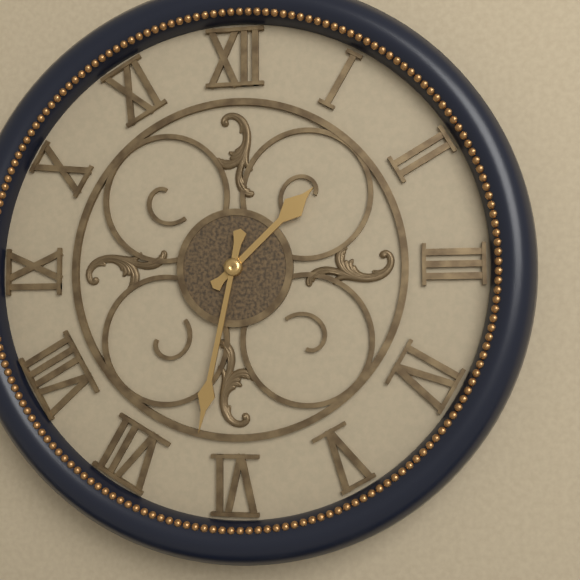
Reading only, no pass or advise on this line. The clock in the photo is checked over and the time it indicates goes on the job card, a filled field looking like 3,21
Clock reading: 1,32
